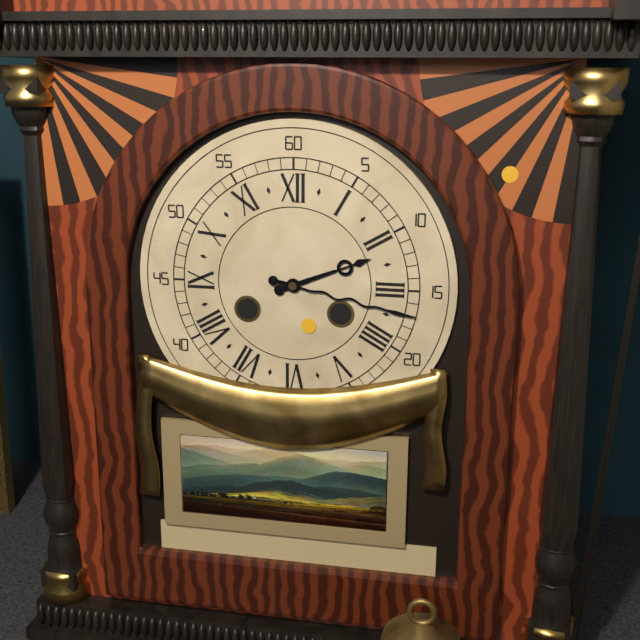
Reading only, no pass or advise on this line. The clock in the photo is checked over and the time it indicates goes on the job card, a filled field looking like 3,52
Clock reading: 2,17
